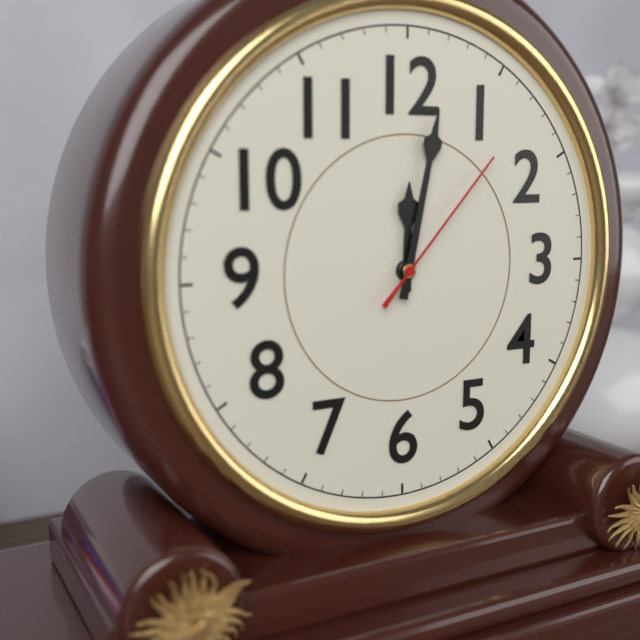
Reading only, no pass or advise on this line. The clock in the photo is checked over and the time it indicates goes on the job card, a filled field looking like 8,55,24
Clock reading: 12,02,07
